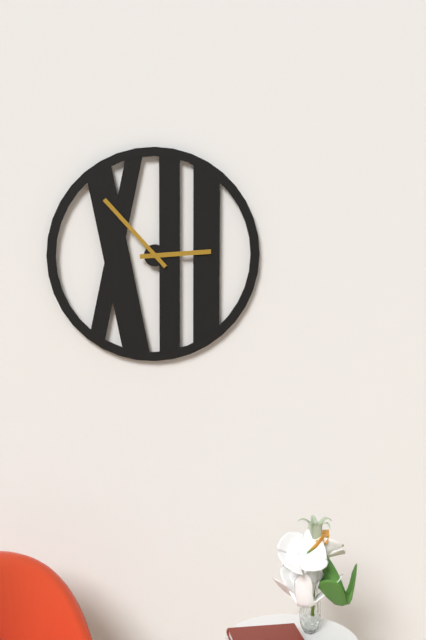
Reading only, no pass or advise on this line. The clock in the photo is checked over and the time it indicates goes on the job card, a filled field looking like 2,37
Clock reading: 2,53
